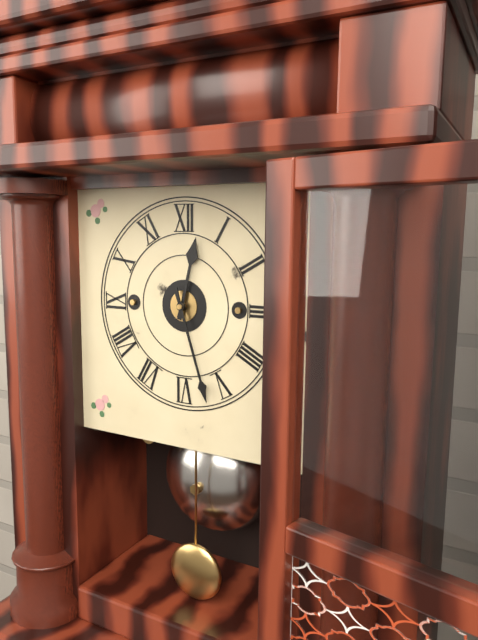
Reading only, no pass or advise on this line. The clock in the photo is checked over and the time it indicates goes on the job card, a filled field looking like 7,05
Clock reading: 12,27
